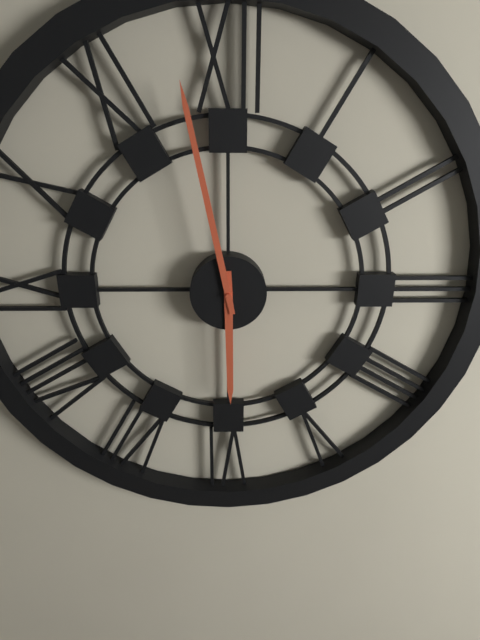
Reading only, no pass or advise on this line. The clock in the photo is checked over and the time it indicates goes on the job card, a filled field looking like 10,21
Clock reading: 5,58
